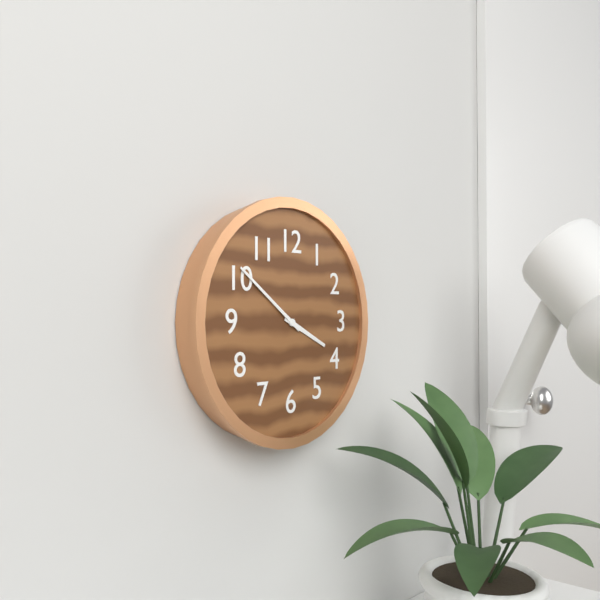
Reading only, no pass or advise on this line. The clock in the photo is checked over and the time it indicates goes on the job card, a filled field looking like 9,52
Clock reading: 3,51
